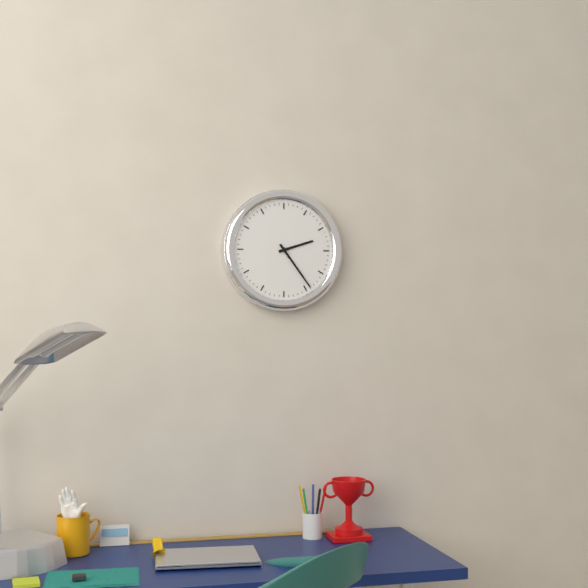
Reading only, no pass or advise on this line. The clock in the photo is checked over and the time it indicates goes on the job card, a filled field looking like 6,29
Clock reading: 2,24
